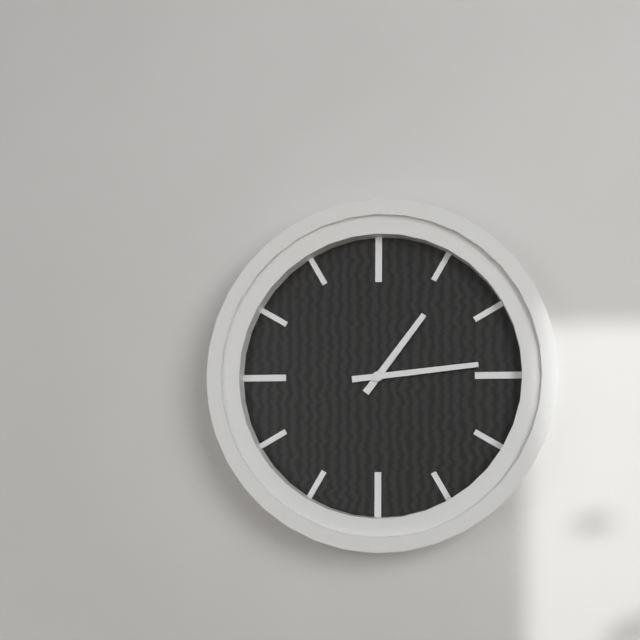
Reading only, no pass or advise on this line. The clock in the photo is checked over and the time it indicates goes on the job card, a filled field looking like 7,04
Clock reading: 1,14
